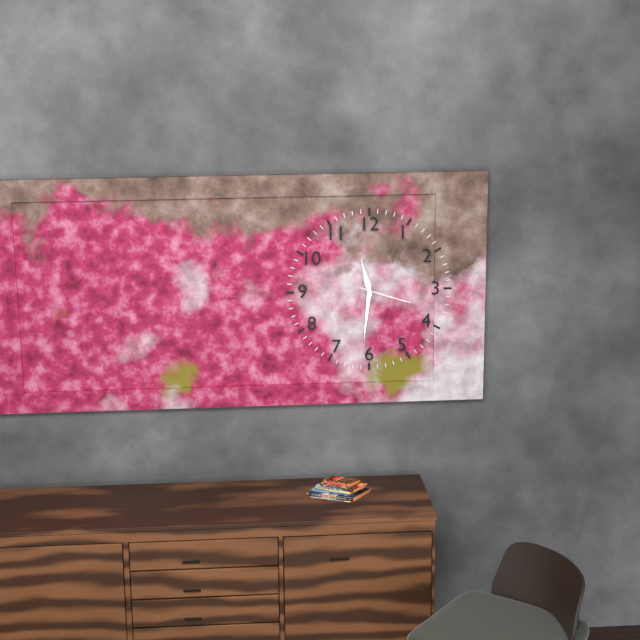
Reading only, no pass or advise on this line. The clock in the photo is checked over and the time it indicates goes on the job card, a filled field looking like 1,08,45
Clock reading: 11,31,18
